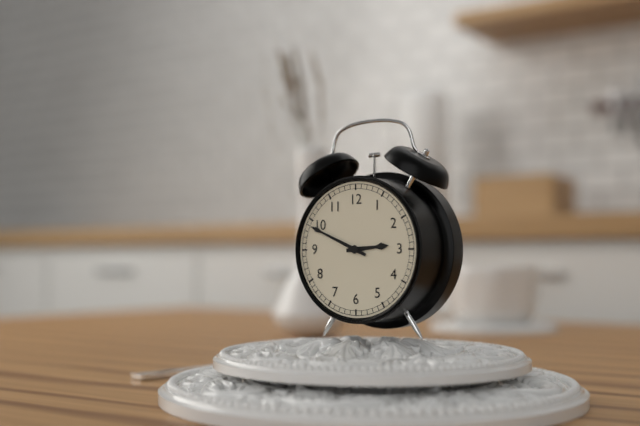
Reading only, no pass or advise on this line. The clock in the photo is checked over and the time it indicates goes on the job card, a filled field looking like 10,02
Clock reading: 2,49
